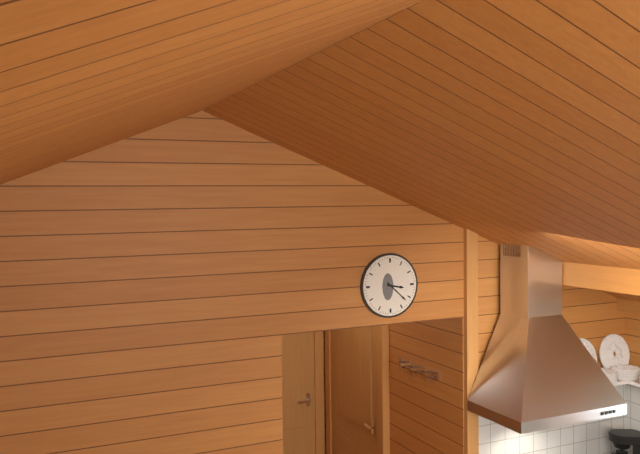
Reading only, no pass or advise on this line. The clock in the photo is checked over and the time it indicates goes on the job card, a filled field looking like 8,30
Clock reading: 3,22
